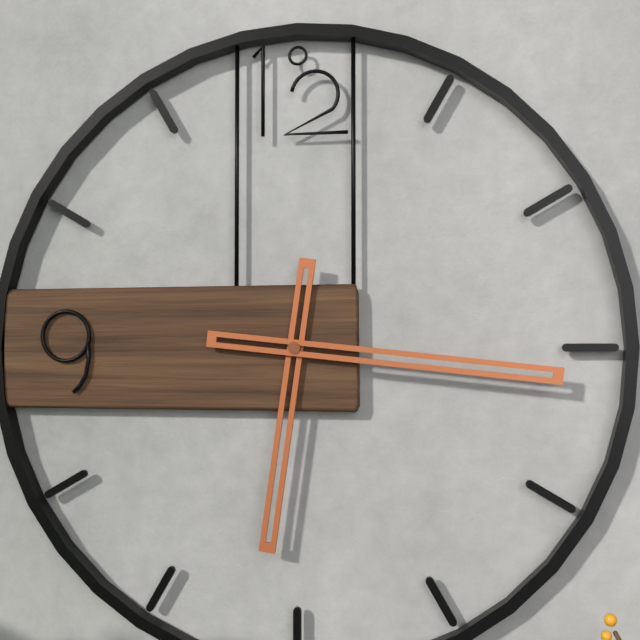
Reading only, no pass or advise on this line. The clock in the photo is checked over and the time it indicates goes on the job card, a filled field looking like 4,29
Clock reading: 6,16
